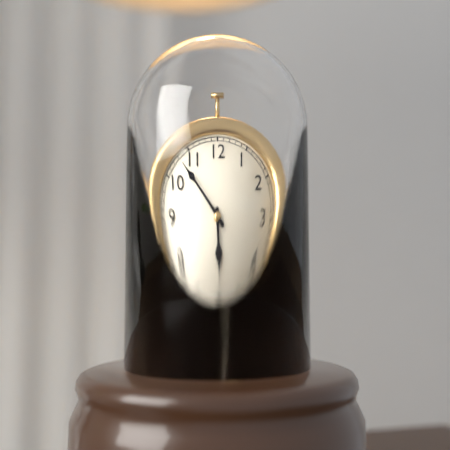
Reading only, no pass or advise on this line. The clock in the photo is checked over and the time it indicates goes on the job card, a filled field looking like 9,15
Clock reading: 5,53
